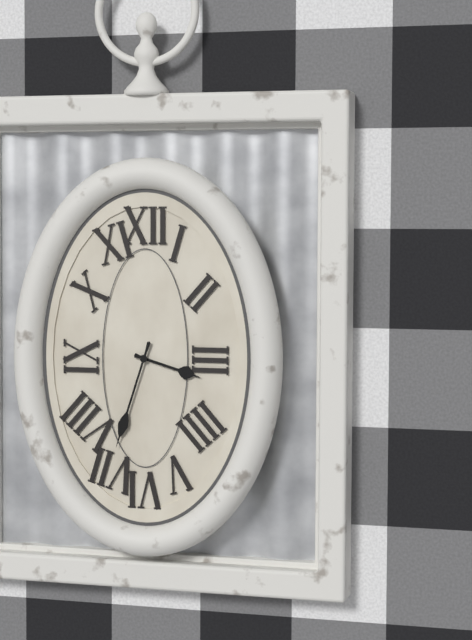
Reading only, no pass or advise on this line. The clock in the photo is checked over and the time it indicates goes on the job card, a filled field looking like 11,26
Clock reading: 3,33
